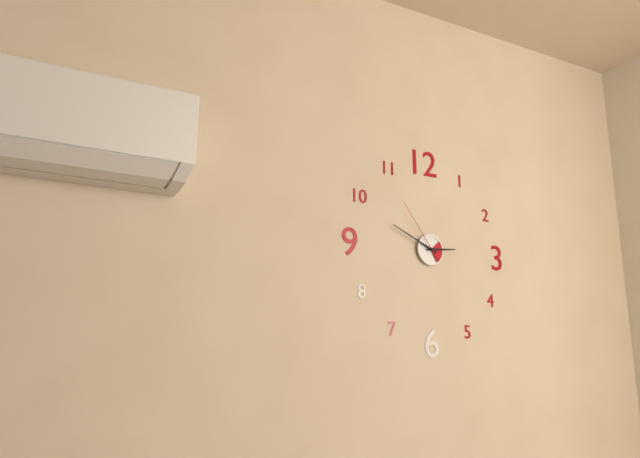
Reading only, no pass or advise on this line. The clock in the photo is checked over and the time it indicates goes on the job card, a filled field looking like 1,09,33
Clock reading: 2,49,54
